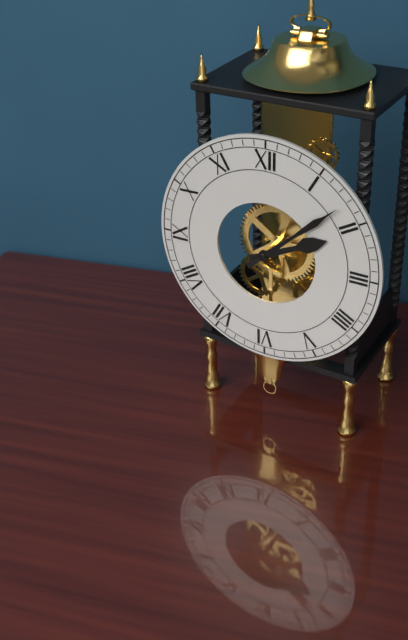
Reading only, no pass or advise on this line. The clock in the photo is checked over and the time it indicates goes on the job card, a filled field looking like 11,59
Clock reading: 2,08
